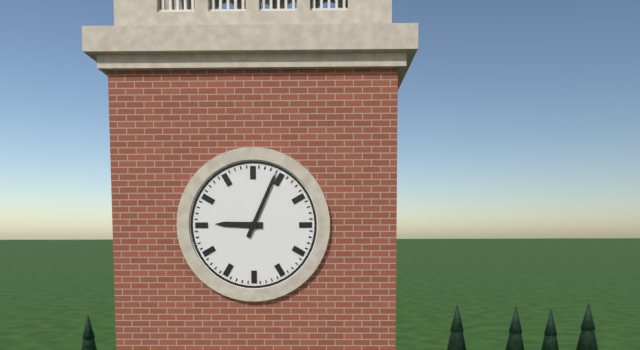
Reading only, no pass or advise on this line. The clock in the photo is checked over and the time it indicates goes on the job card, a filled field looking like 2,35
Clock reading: 9,04
